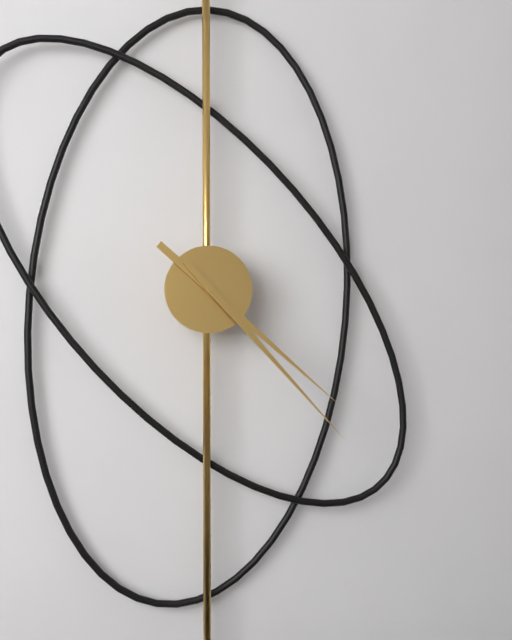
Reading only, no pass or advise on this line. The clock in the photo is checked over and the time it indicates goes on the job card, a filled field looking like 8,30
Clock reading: 4,23
